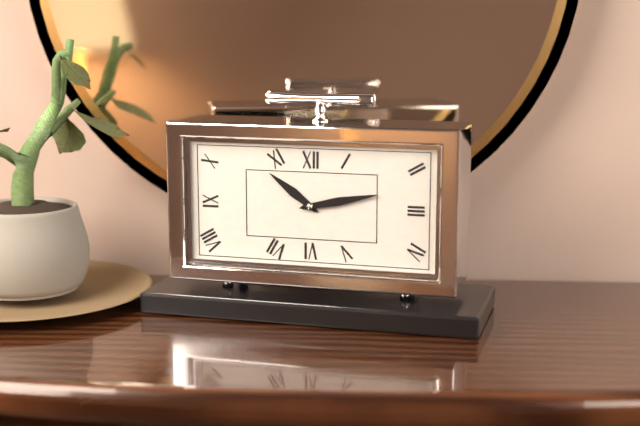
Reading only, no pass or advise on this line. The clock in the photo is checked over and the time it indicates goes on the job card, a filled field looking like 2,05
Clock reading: 10,13
